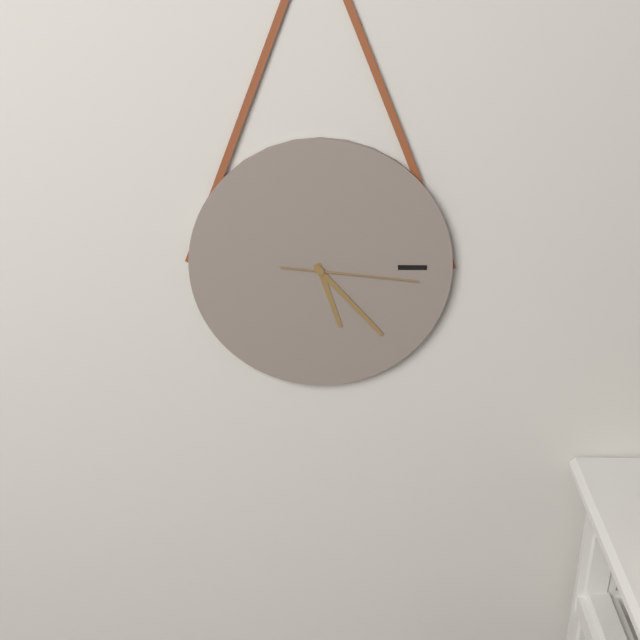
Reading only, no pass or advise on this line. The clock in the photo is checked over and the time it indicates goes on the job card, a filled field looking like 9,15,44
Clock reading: 5,23,16
